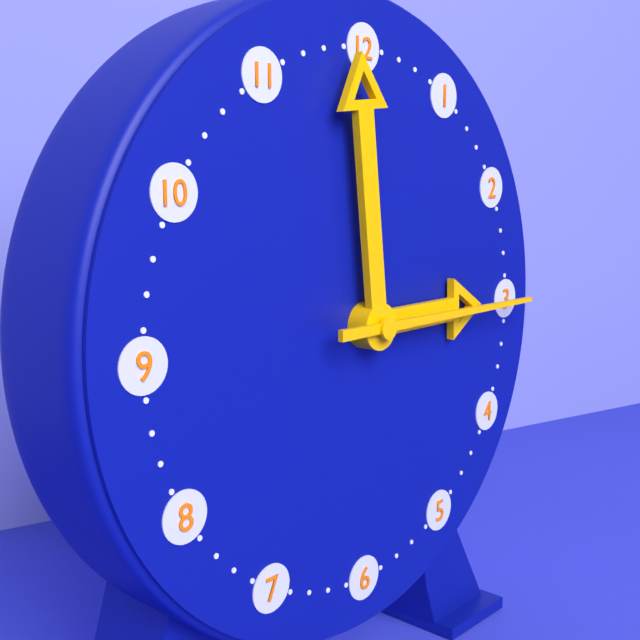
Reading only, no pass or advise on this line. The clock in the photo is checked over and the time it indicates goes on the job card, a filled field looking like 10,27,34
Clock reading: 2,59,15
